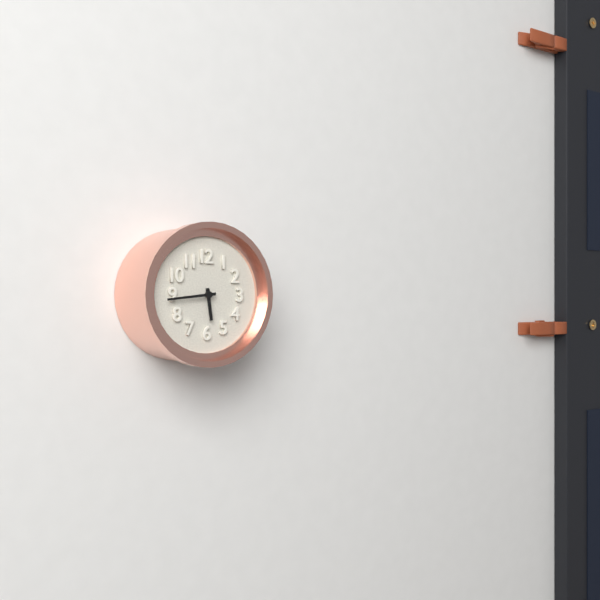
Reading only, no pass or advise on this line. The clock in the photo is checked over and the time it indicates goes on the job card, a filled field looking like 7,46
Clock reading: 5,44
